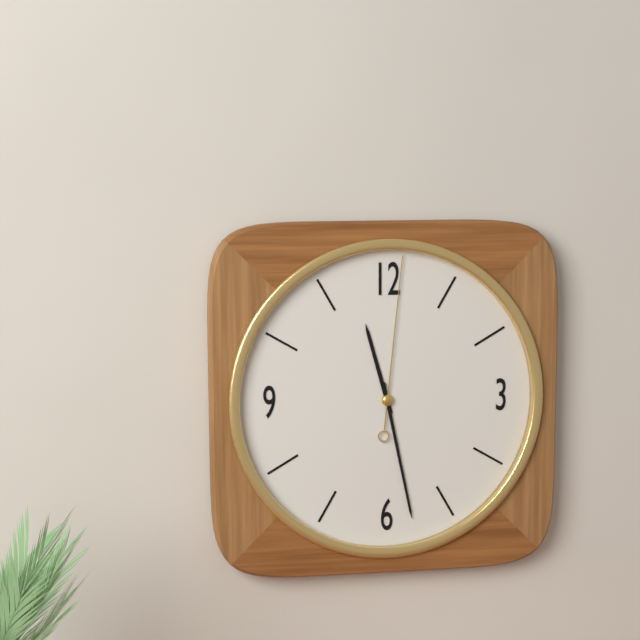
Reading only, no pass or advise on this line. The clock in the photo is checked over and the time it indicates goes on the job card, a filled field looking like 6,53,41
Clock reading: 11,28,01
